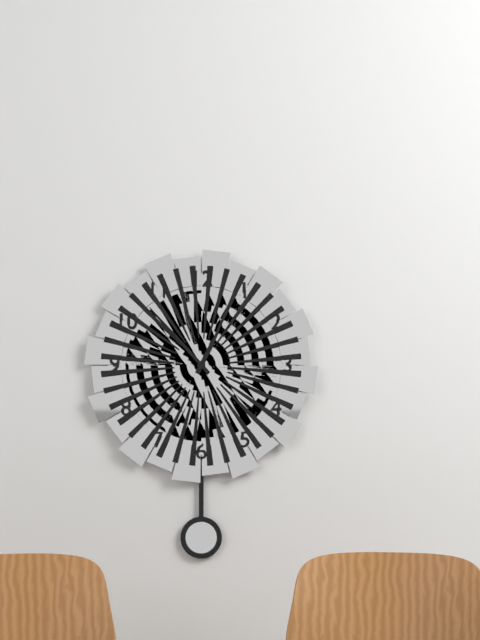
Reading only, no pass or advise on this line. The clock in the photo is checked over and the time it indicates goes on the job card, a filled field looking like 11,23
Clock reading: 12,53
